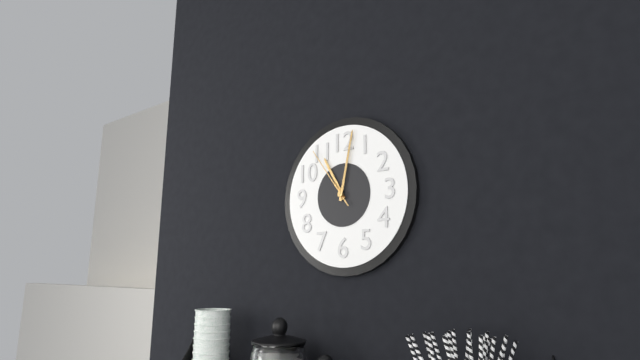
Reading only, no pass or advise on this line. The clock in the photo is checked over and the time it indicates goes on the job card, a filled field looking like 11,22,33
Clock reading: 11,02,54
